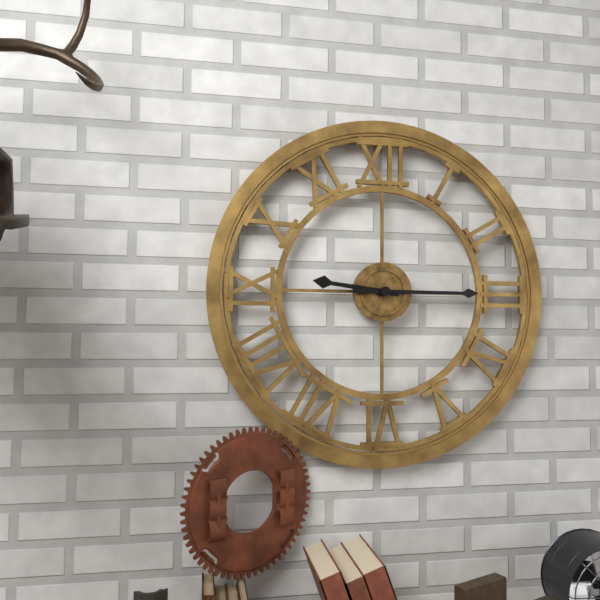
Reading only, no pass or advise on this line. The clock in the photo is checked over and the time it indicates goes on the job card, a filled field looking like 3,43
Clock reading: 9,15
